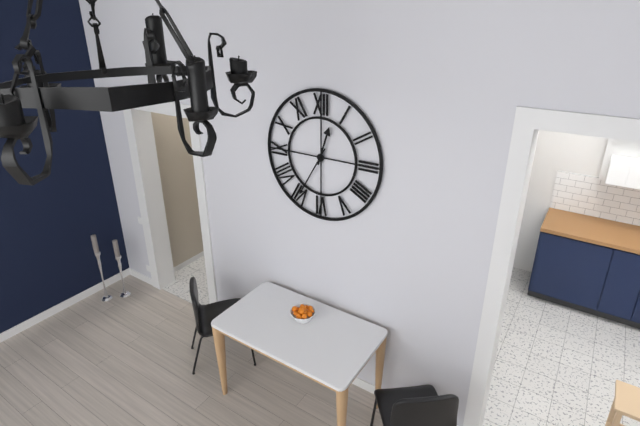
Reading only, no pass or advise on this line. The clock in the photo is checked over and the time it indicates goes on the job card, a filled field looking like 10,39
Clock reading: 12,35
